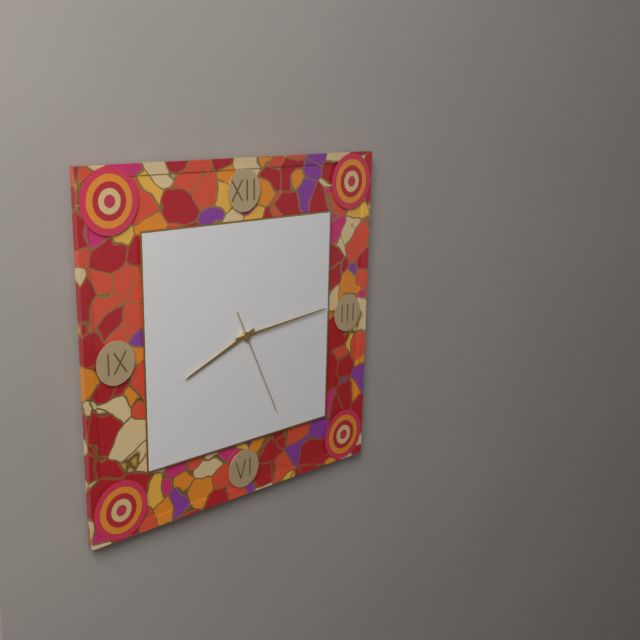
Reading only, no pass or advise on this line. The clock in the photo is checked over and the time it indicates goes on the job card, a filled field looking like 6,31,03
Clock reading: 8,14,26
